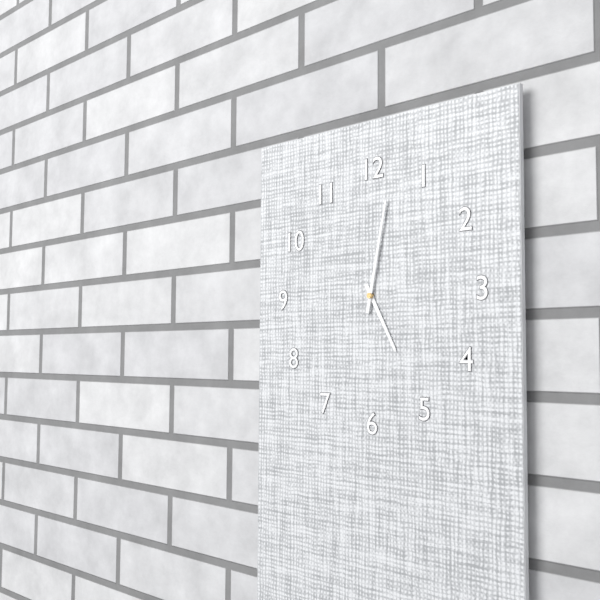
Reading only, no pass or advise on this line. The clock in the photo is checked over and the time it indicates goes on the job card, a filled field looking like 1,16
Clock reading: 5,02
